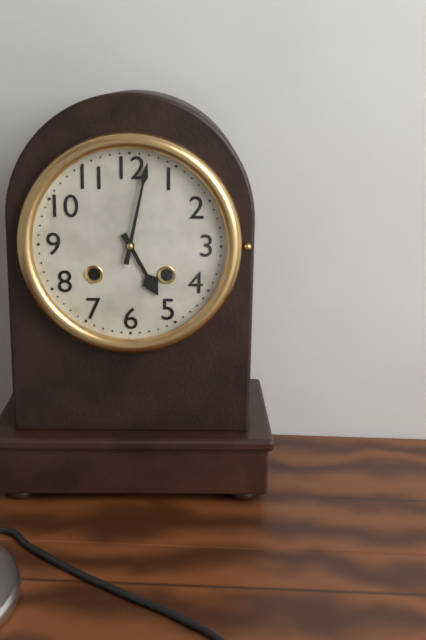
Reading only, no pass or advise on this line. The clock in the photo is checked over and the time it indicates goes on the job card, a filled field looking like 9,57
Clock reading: 5,02
